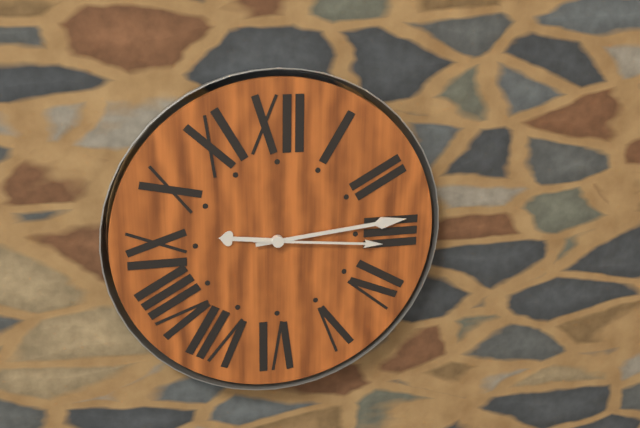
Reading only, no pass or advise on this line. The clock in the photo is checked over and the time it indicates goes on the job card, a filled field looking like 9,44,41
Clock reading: 9,14,16
